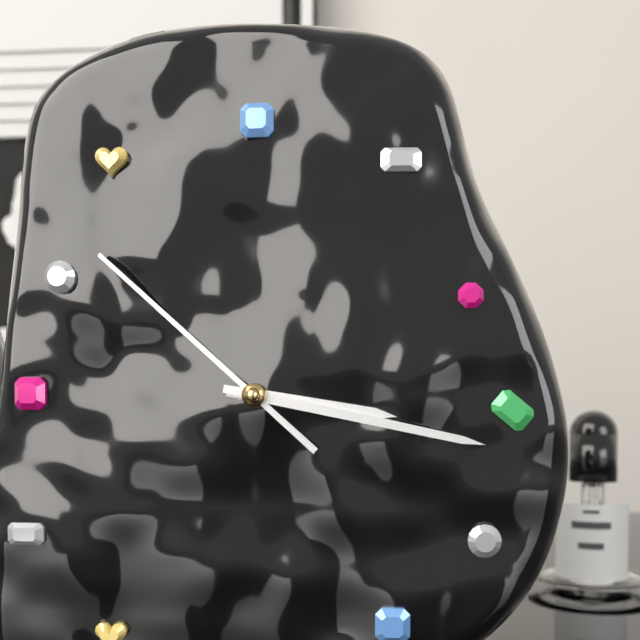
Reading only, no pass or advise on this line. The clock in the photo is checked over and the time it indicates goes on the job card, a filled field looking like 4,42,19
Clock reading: 3,17,52
